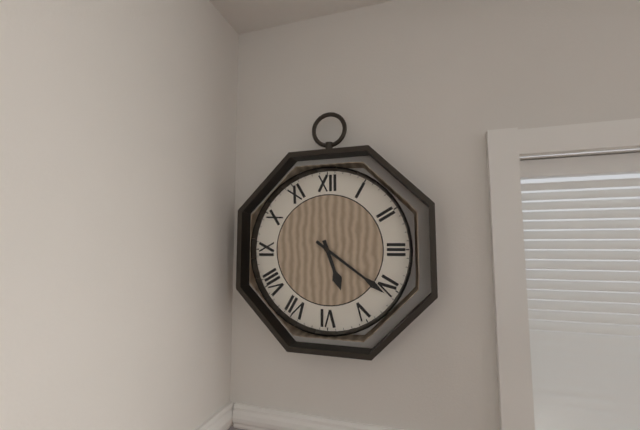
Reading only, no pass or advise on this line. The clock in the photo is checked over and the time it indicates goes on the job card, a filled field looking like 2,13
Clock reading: 5,21
